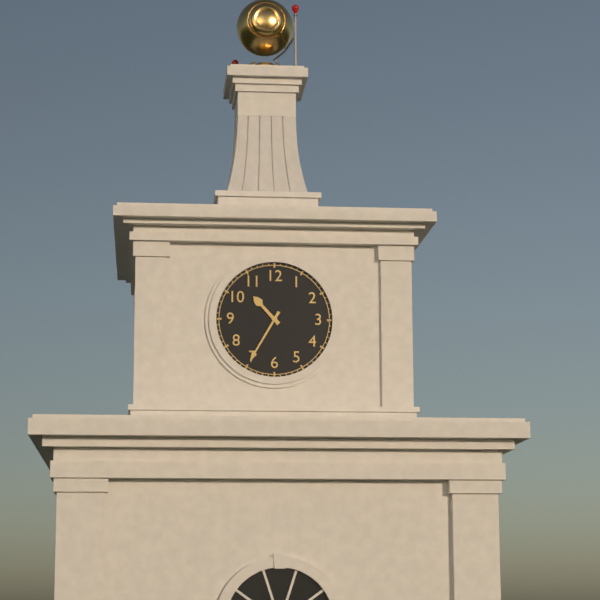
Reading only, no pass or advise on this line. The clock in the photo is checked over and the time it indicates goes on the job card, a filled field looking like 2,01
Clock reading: 10,35
